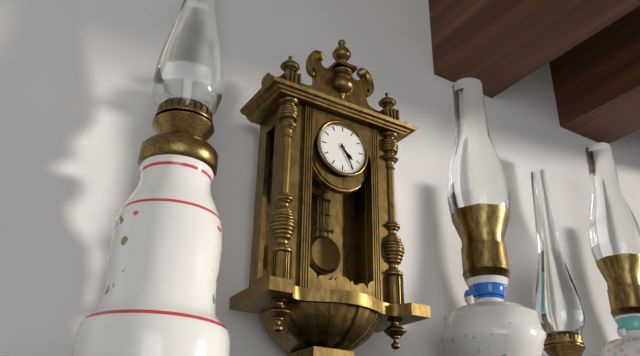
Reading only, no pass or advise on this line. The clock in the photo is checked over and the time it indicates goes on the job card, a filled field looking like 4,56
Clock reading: 4,25
